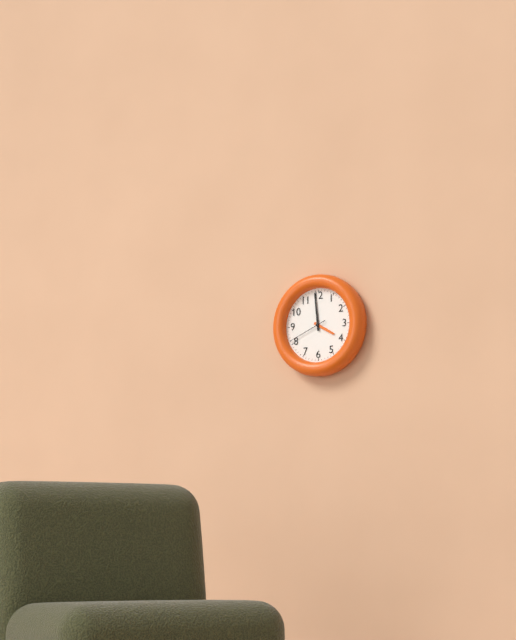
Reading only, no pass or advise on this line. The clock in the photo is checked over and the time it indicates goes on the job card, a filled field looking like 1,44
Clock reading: 3,59
